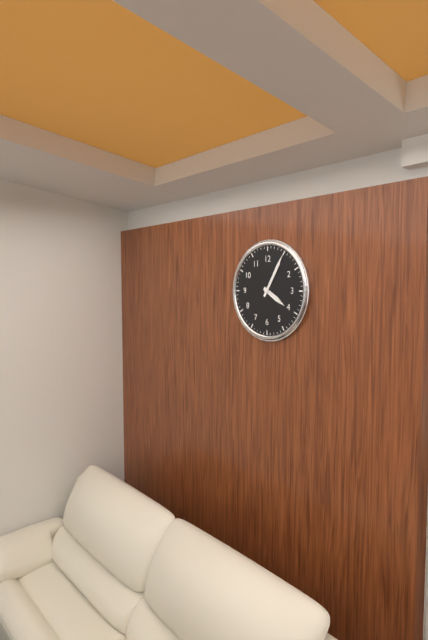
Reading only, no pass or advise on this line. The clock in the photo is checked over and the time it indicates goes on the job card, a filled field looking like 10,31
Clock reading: 4,05
